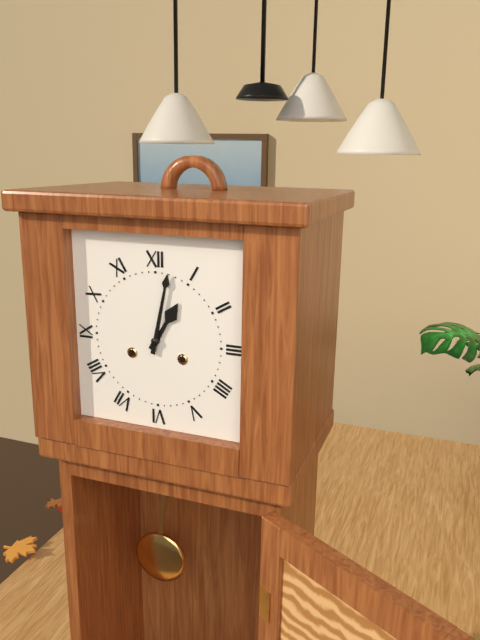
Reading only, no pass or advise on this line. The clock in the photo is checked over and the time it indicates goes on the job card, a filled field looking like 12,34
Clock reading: 1,02
